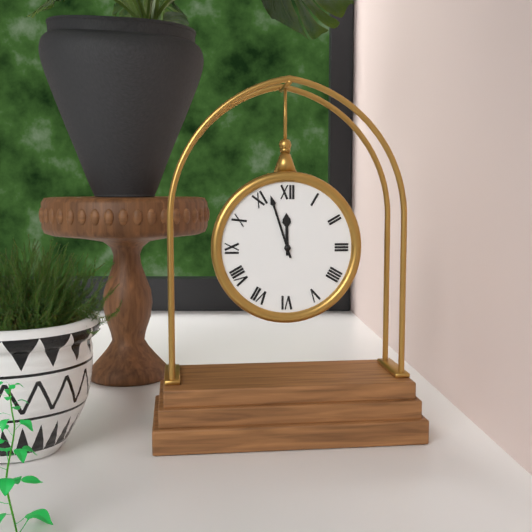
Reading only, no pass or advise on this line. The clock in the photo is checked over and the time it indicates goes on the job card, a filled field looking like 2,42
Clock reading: 11,57
